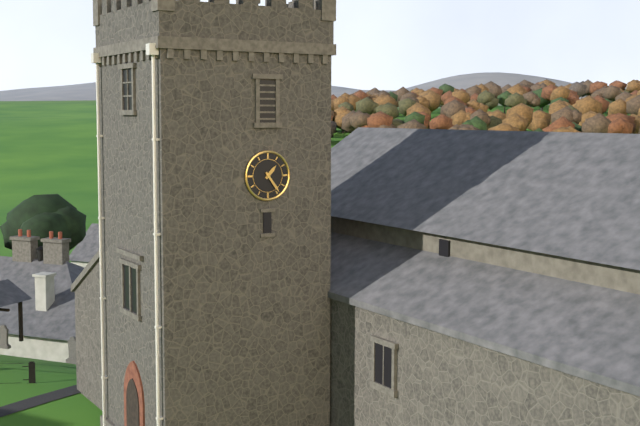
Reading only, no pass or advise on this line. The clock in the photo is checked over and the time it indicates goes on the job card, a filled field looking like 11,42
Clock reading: 1,24
